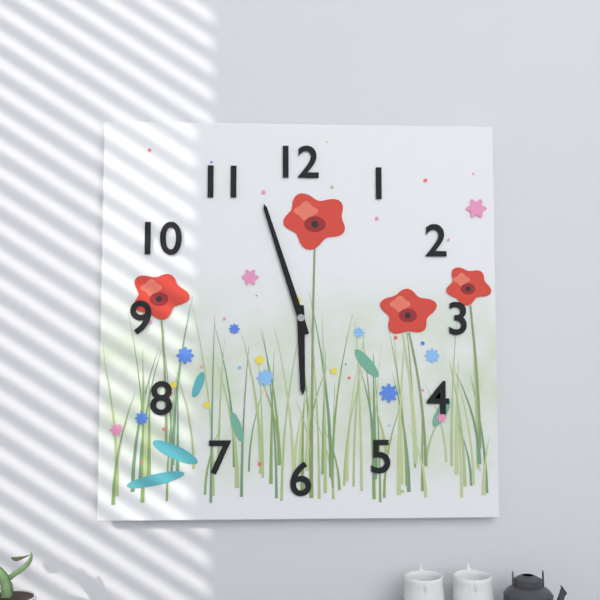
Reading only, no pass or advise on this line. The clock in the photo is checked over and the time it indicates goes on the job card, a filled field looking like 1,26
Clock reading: 5,57
